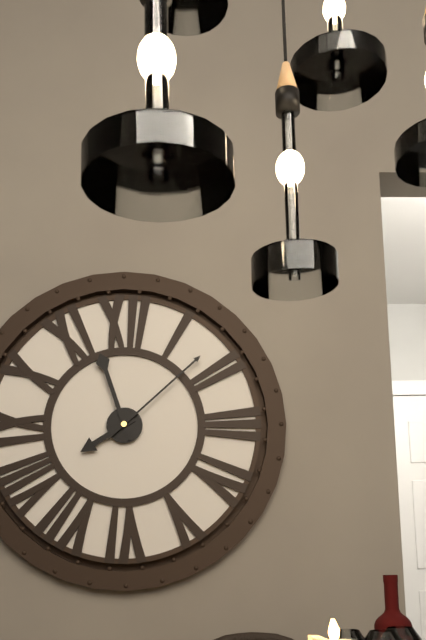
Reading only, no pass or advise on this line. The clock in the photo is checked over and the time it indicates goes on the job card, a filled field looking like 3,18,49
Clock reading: 7,57,08
